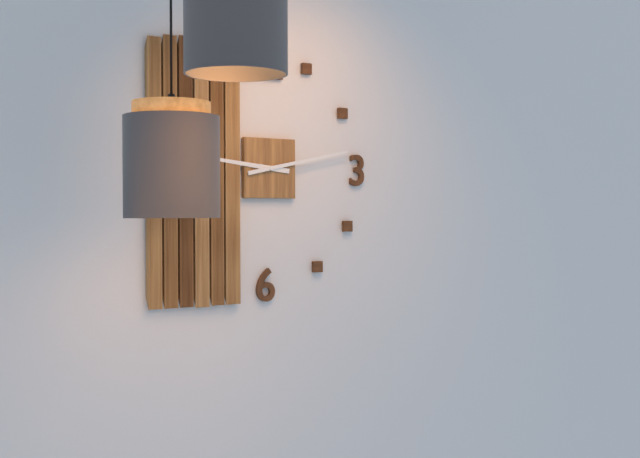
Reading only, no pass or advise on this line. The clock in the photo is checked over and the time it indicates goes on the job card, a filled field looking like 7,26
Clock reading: 9,13
